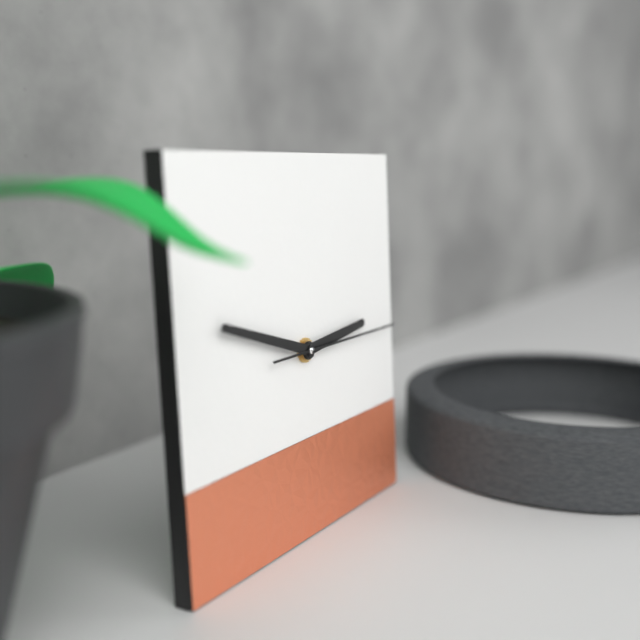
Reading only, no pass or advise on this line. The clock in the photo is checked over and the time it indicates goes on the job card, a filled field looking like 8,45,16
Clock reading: 2,48,15
